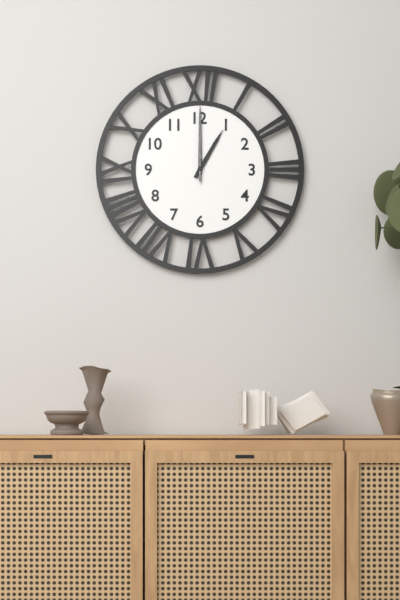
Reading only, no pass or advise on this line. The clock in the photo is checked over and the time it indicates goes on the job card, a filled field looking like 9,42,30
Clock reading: 1,00,00
